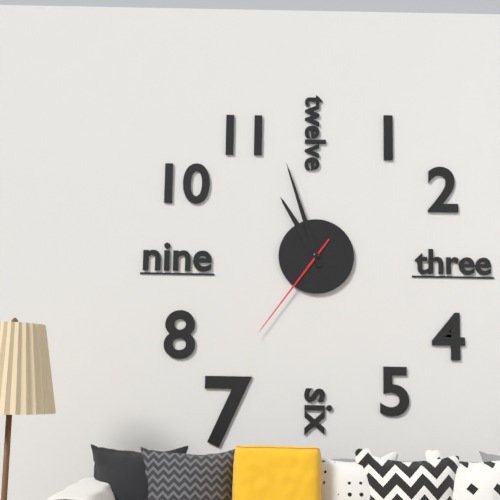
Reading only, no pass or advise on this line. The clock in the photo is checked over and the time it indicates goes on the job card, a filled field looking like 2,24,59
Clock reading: 10,57,36
